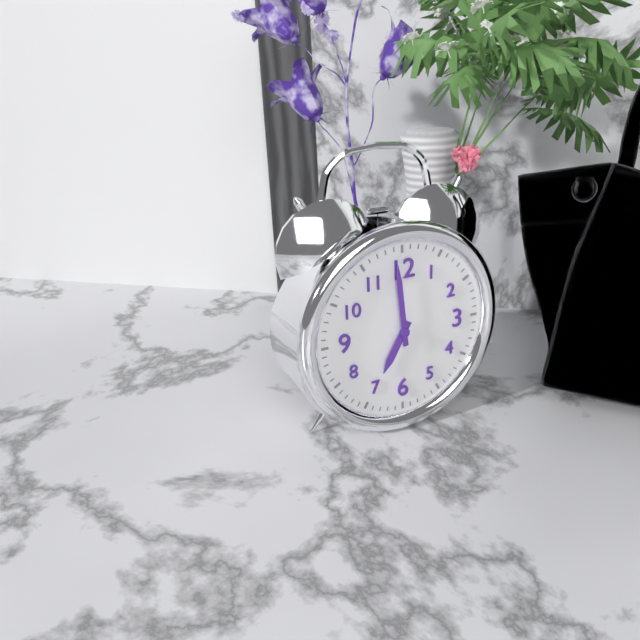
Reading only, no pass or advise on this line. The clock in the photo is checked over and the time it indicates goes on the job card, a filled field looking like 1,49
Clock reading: 6,59
